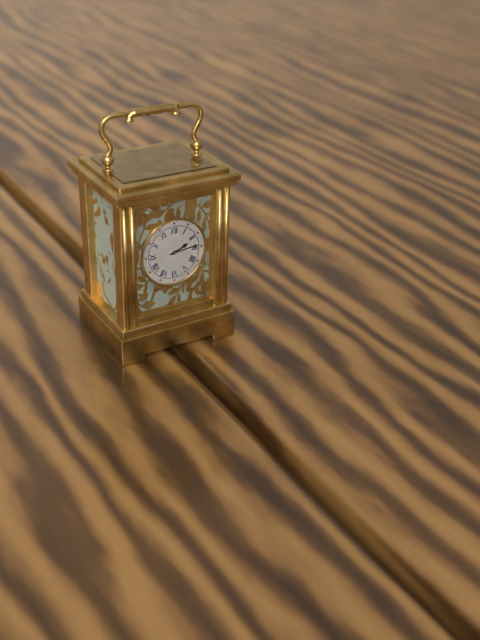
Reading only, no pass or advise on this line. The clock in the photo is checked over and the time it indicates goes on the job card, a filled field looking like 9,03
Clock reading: 2,14
